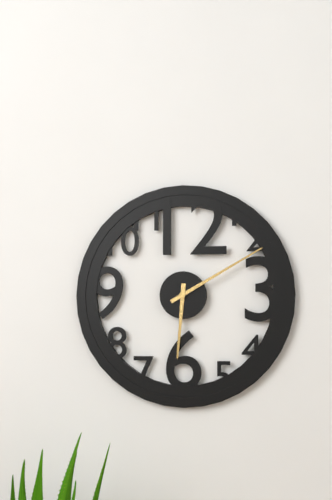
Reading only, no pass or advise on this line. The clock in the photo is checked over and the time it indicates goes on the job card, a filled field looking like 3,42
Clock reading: 6,10
